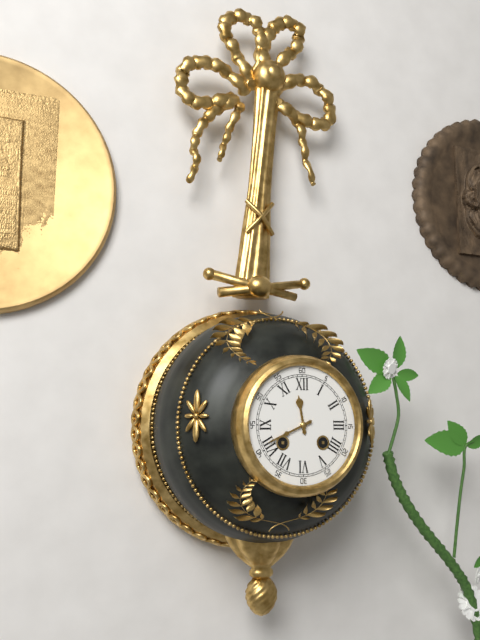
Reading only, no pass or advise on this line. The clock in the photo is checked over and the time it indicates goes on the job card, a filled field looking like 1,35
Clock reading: 11,41
